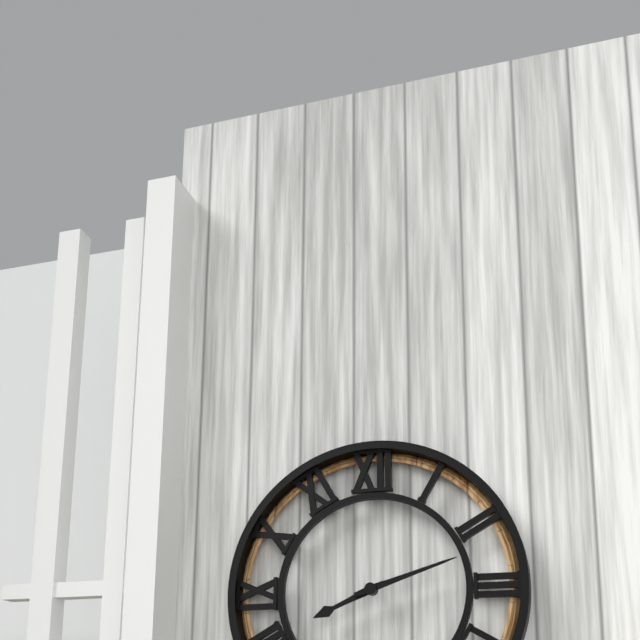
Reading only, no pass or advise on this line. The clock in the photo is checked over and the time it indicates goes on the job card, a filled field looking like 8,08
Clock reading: 8,12
